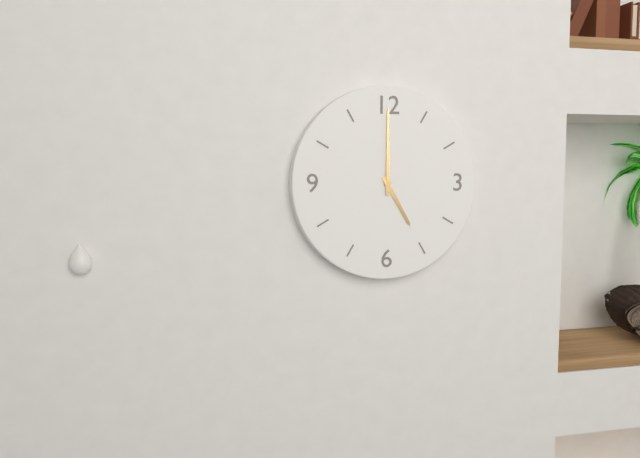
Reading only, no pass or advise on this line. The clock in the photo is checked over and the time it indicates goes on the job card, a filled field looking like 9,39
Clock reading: 5,00
